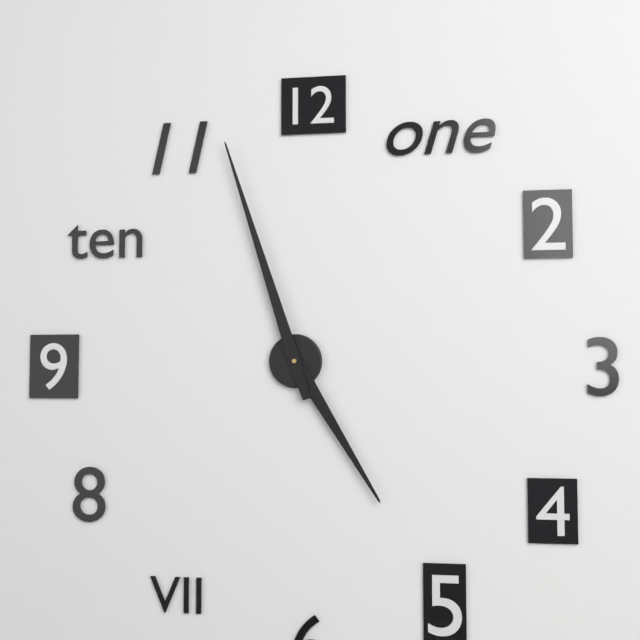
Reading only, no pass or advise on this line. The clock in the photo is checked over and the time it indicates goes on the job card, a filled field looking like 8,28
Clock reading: 4,57
